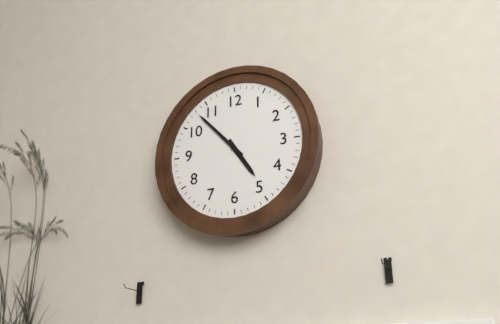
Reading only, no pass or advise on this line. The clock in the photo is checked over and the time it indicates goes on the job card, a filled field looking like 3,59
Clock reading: 4,53
